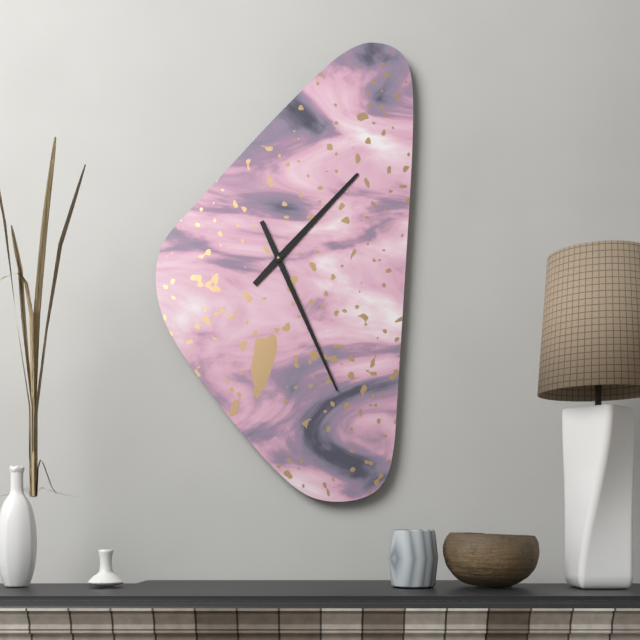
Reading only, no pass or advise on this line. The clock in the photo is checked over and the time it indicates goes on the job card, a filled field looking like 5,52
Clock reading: 1,26
